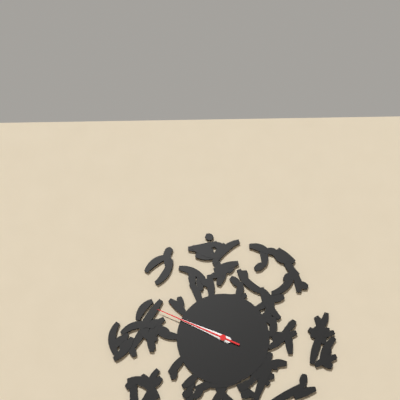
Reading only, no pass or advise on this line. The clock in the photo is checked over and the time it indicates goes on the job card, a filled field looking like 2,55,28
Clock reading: 9,49,49
